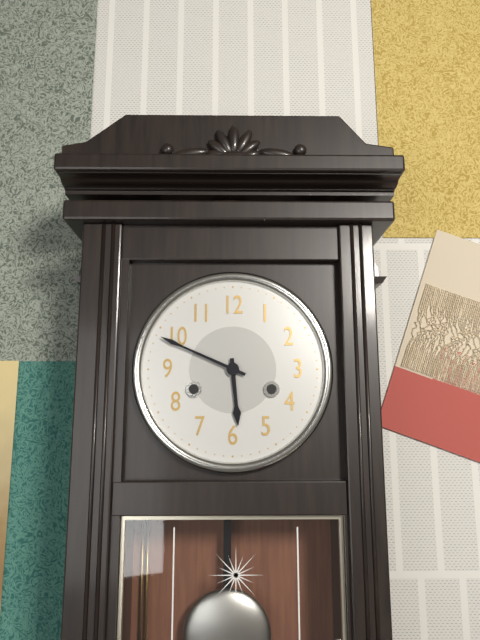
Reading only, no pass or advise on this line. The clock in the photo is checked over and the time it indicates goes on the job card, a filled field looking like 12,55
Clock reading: 5,49
